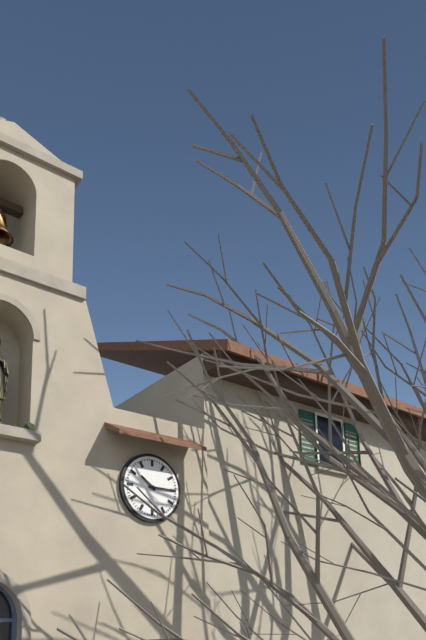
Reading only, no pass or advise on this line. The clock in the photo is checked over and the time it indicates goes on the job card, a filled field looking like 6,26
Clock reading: 10,15
